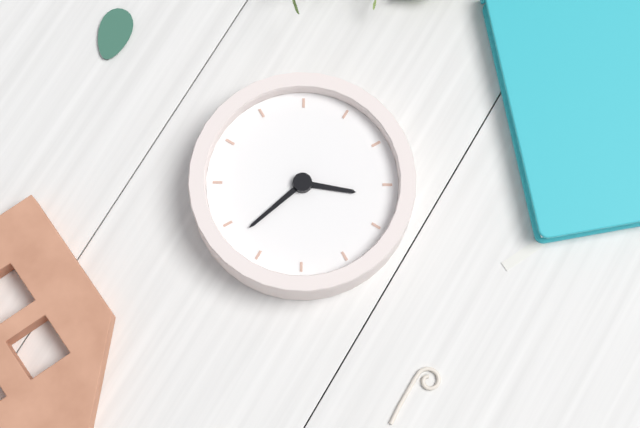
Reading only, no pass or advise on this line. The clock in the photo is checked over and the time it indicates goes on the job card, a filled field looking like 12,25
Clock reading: 11,18
